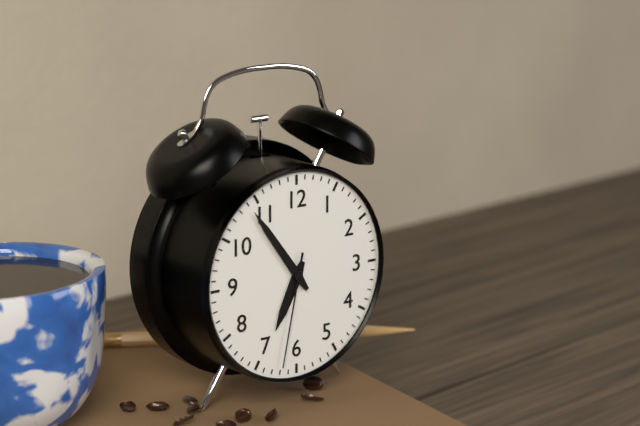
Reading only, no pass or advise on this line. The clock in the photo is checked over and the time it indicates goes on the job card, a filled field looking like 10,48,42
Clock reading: 6,54,32
